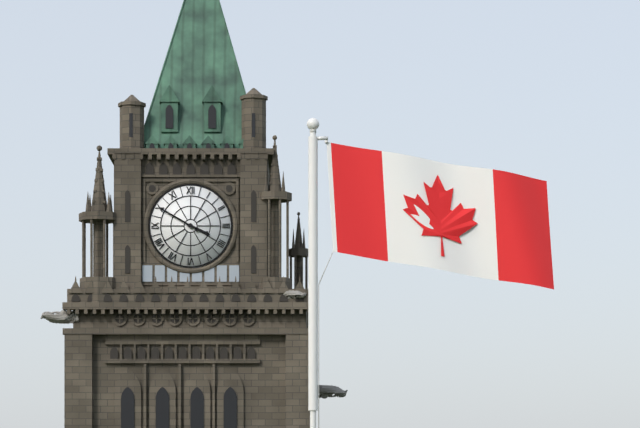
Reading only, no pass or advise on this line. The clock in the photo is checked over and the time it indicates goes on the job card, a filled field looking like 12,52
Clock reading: 3,50
